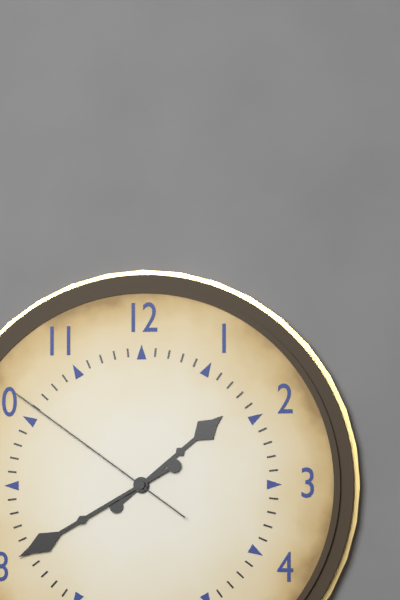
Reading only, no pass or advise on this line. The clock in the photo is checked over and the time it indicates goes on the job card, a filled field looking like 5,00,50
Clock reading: 1,40,51
